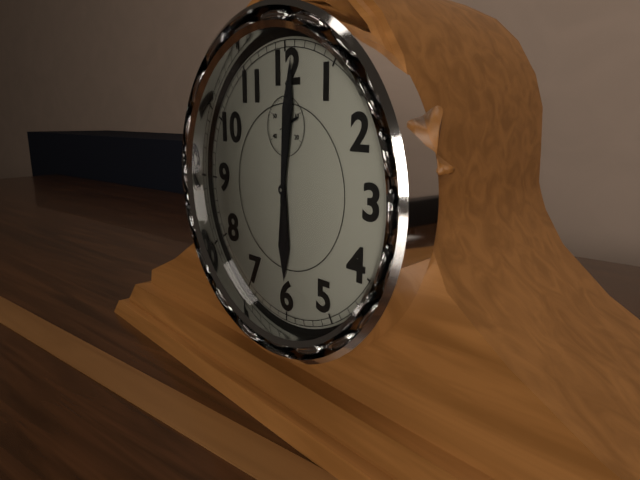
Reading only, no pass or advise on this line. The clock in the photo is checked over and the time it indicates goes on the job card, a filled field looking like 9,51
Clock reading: 6,01
